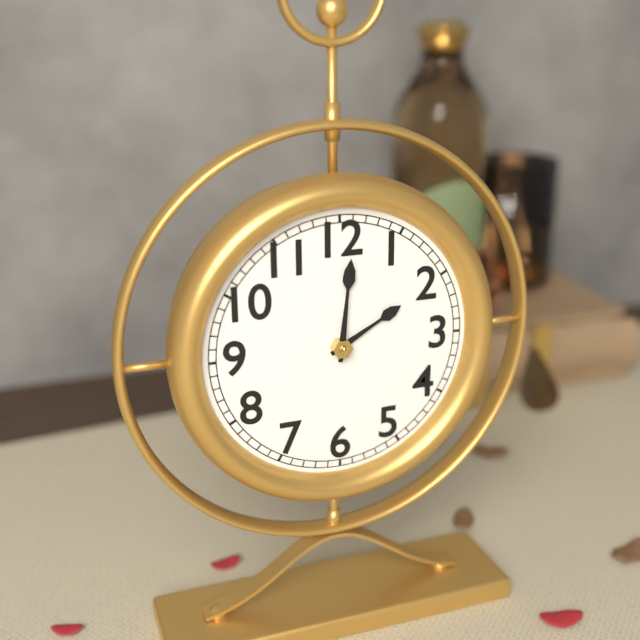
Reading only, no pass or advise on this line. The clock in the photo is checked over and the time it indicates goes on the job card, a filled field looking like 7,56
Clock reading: 2,01
